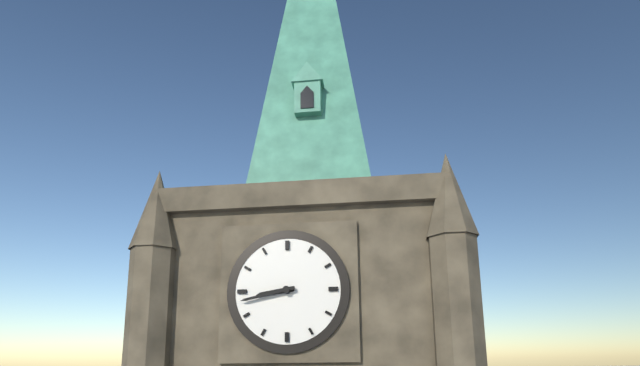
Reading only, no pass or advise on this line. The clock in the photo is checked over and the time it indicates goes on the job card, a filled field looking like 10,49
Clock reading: 8,43
